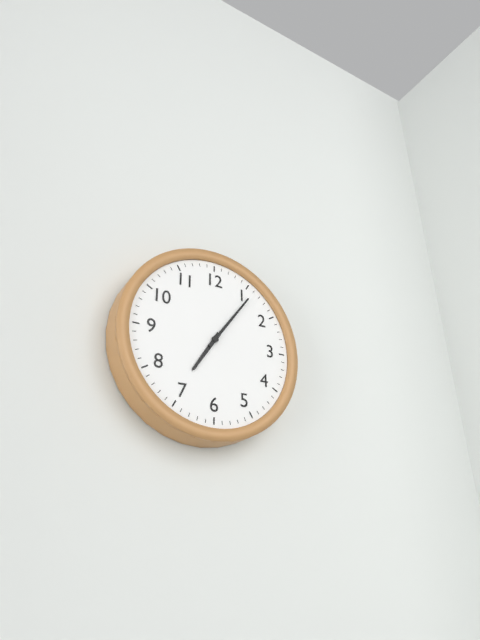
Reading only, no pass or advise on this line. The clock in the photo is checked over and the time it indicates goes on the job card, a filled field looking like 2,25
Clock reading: 7,06
